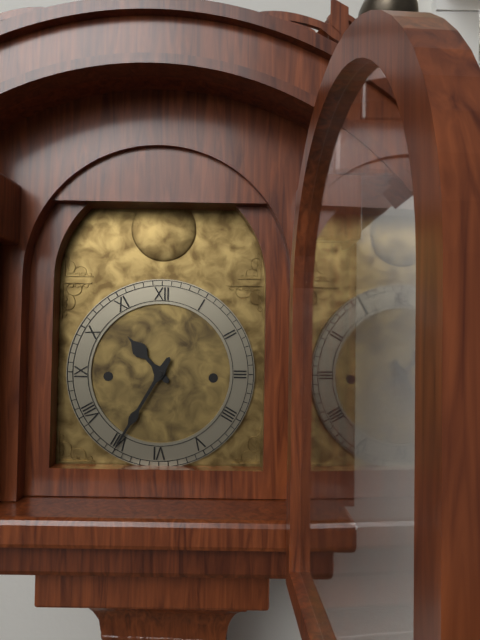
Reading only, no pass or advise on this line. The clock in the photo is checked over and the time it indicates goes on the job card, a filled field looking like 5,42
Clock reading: 10,35
